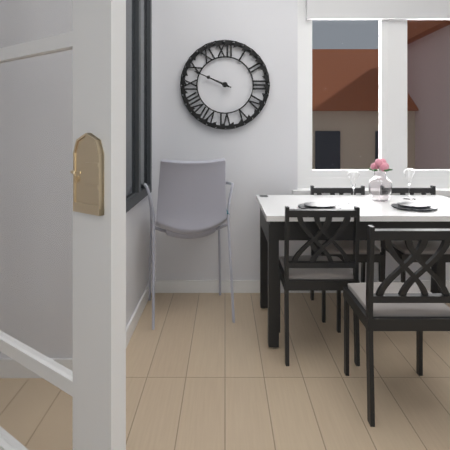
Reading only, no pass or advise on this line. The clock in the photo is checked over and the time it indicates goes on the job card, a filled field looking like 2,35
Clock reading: 9,49
